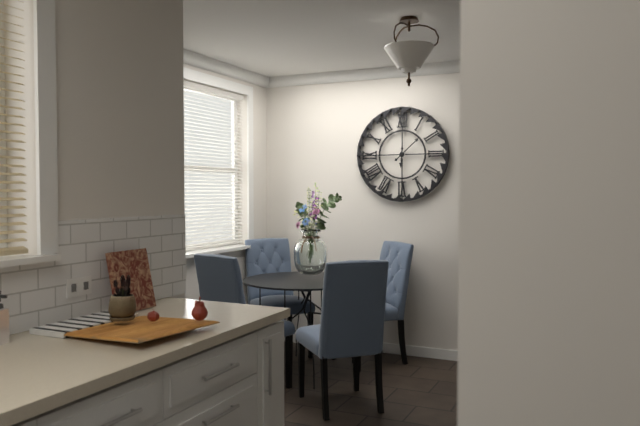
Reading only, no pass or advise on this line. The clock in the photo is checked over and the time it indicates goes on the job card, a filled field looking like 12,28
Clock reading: 6,08
